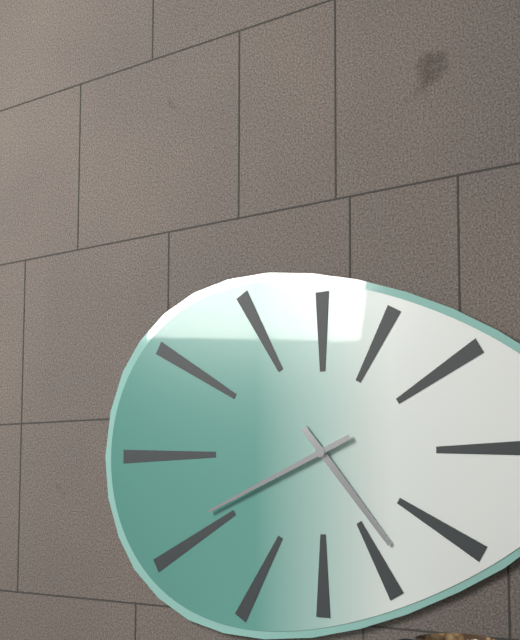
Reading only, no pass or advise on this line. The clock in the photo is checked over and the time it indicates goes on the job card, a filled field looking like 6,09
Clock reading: 4,41
